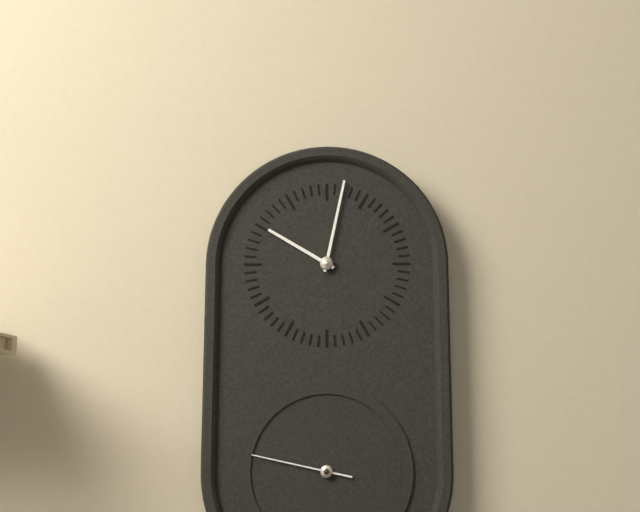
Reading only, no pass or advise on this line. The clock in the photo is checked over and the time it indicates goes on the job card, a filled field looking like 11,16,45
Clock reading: 10,02,47
